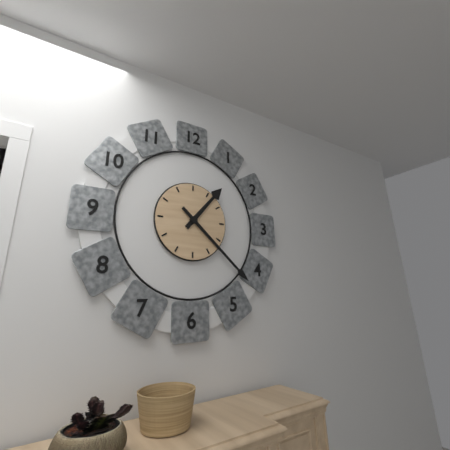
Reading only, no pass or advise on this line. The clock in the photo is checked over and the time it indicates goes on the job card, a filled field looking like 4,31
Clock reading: 1,22
